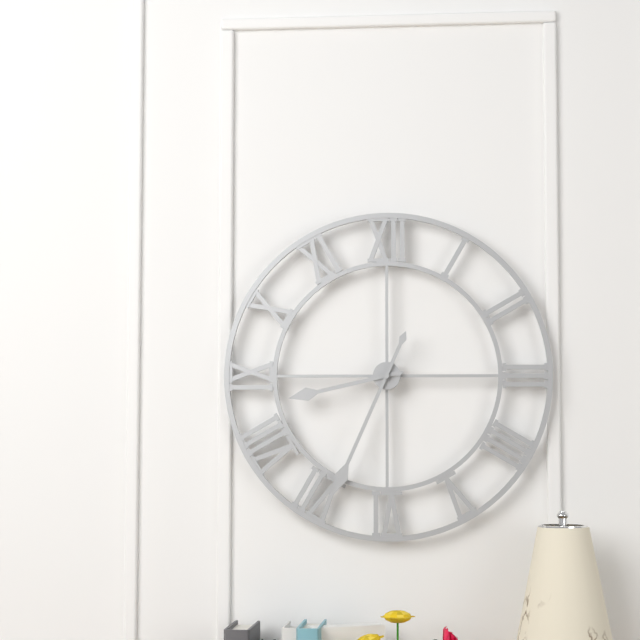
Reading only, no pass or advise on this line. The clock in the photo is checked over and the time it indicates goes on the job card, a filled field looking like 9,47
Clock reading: 8,34
